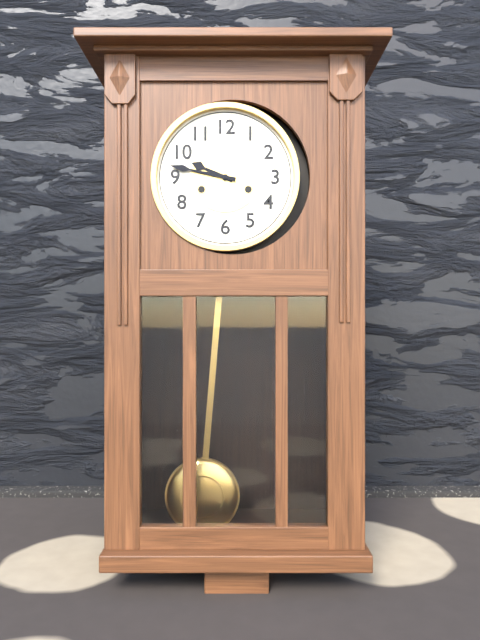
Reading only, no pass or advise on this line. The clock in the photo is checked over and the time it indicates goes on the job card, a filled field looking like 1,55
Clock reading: 9,47
